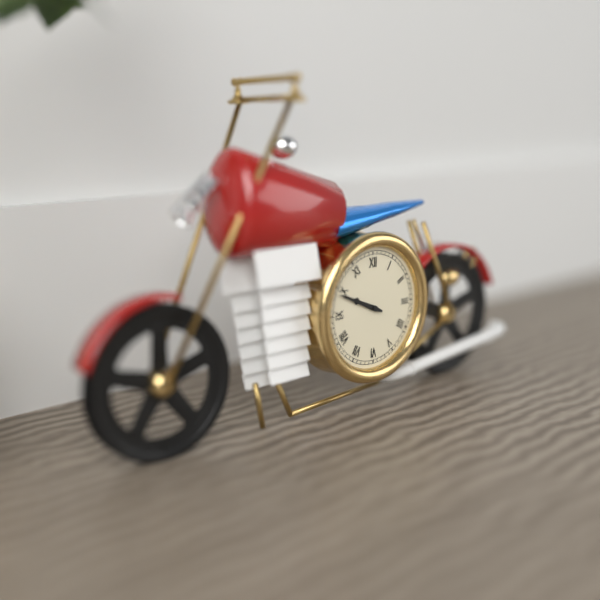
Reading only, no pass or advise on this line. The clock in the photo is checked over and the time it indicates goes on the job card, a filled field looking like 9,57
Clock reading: 9,49
